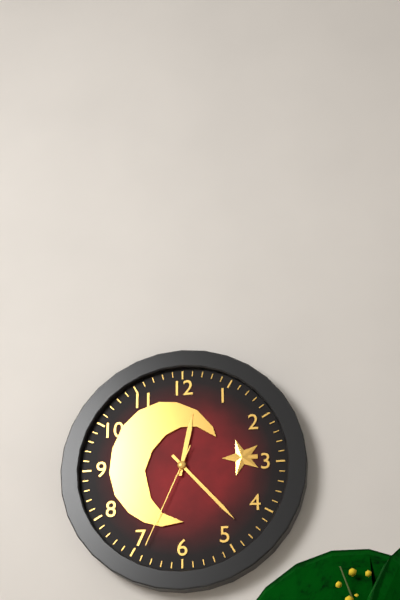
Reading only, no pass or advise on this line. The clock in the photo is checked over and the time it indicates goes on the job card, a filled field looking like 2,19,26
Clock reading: 12,23,34
